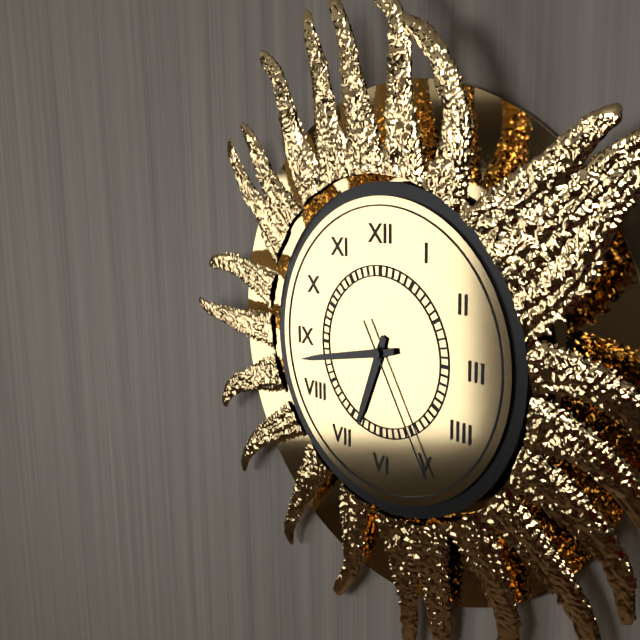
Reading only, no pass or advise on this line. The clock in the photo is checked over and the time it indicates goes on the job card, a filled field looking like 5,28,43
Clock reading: 6,43,25
